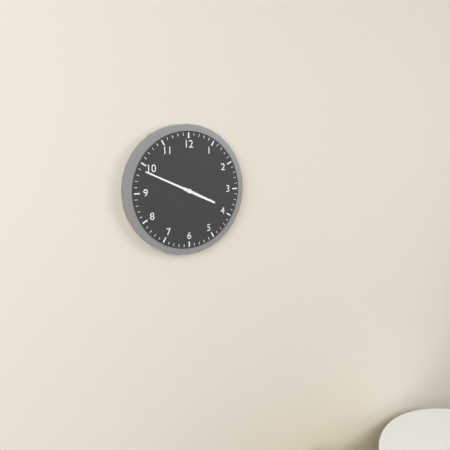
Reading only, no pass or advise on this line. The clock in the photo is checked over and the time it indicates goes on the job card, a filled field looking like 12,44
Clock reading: 3,49
